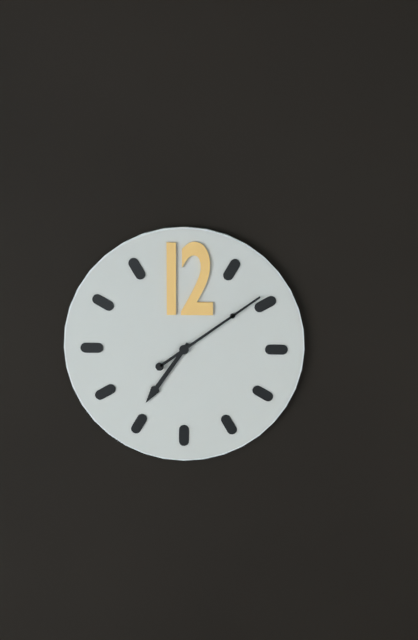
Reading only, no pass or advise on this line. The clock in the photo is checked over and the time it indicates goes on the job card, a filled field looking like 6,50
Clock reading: 7,09
